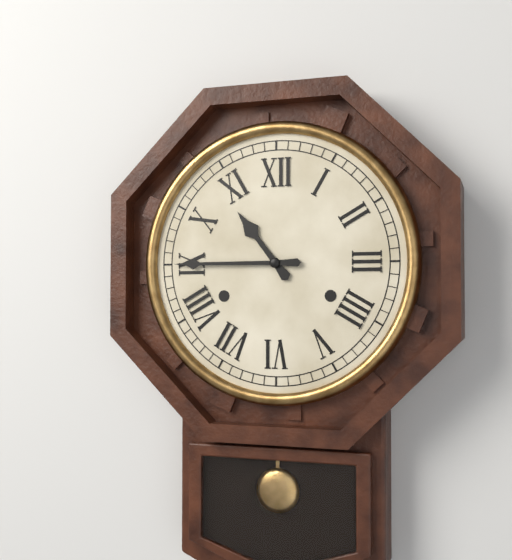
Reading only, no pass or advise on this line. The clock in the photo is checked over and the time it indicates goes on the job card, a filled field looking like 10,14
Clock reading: 10,45
